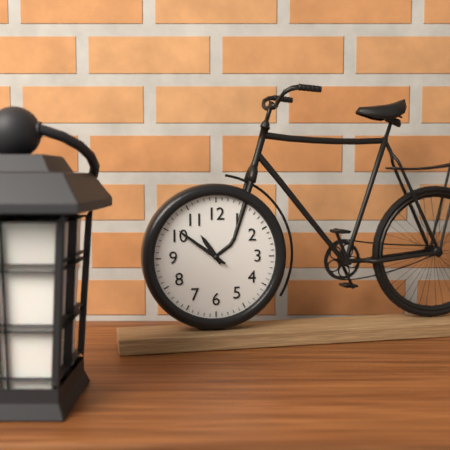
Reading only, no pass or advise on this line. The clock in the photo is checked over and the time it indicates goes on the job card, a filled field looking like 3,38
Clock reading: 10,51
